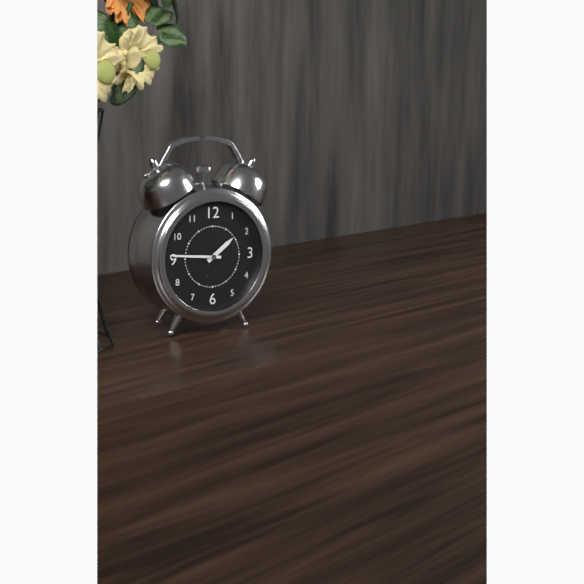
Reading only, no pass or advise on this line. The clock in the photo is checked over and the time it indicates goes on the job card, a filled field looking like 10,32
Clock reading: 1,46
